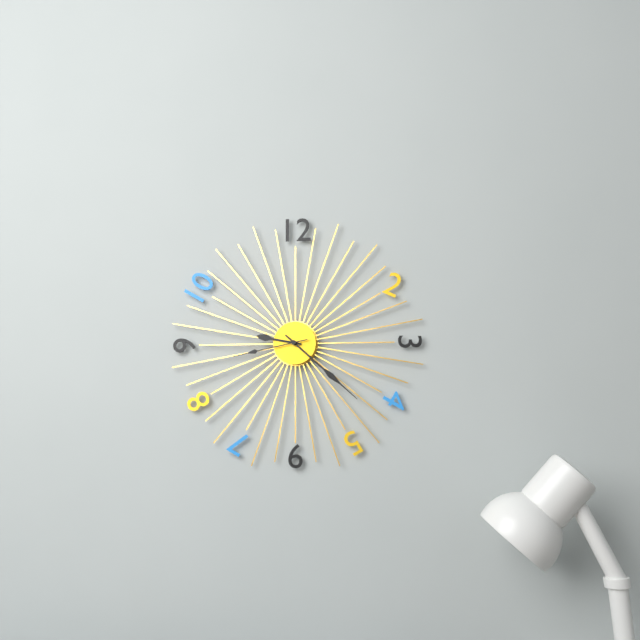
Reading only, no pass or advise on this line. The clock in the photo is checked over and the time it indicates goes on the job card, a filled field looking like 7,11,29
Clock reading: 9,22,43
